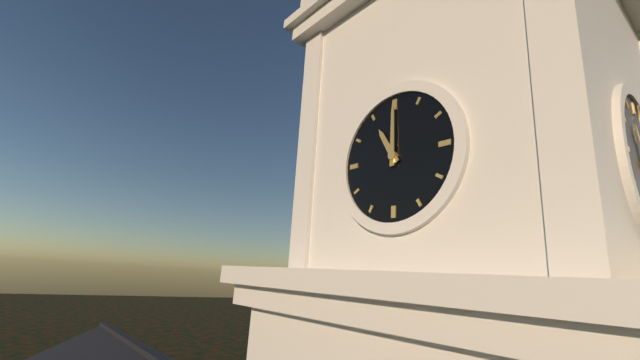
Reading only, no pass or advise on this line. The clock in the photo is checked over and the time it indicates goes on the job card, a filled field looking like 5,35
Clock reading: 11,00
